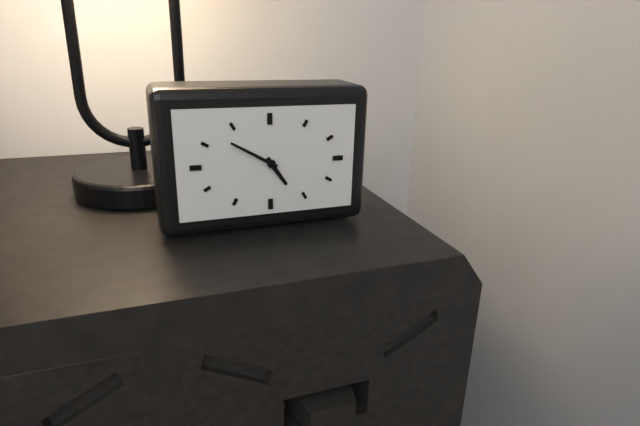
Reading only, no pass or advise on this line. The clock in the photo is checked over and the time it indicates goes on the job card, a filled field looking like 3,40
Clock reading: 4,50
